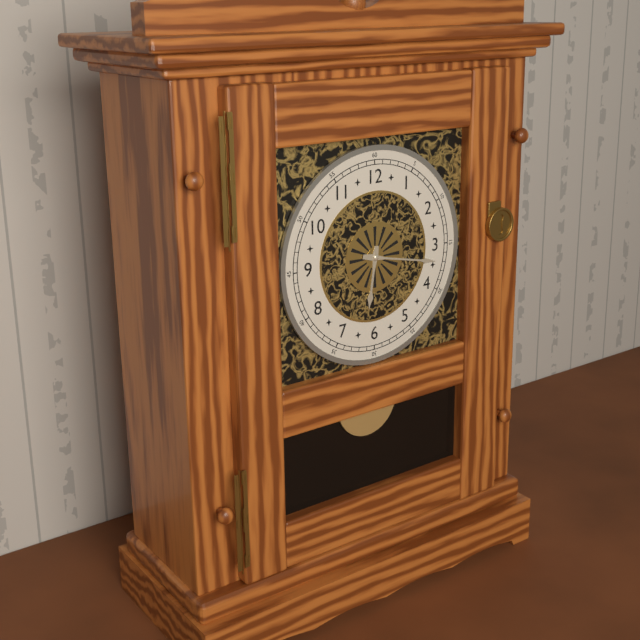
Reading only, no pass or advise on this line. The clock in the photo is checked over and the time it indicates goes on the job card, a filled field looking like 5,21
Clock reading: 6,17
